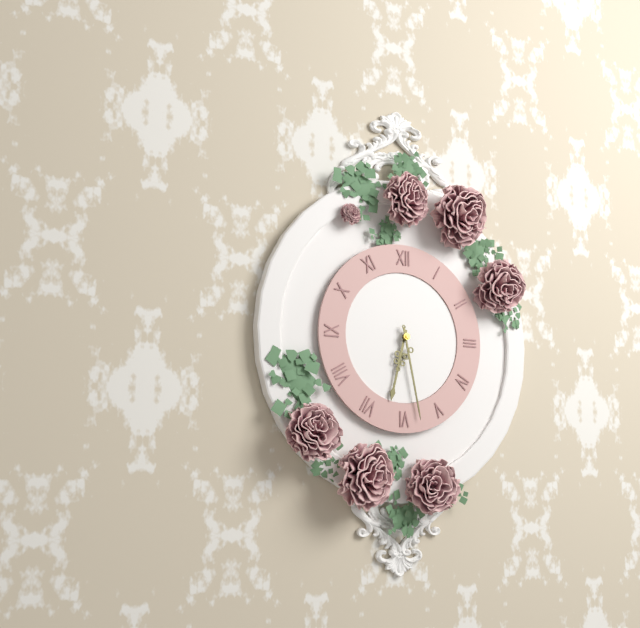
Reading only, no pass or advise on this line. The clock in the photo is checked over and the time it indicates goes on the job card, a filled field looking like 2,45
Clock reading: 6,28
